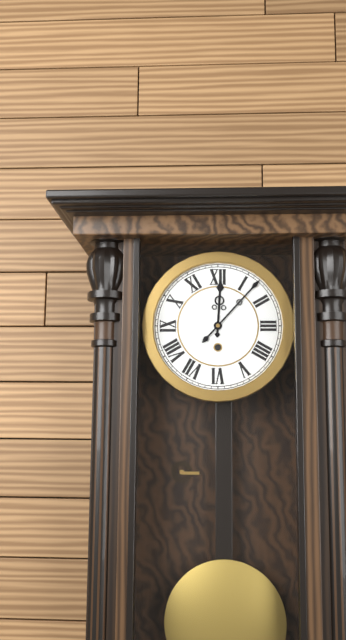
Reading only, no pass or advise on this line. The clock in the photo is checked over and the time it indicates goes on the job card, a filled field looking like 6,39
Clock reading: 12,07
